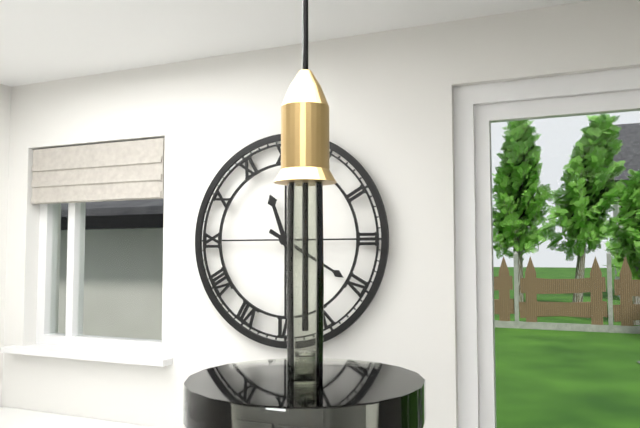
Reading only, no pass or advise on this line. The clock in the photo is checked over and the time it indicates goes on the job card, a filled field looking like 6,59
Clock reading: 11,20
